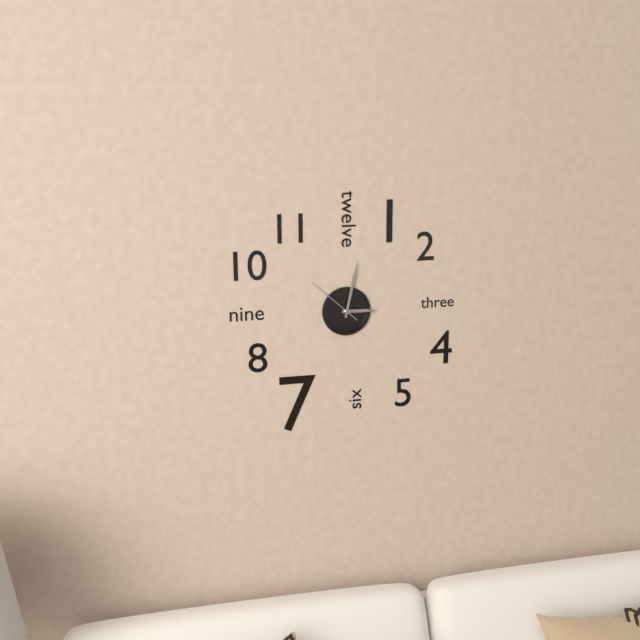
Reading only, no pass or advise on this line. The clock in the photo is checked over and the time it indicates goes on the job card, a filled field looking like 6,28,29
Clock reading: 3,02,52
